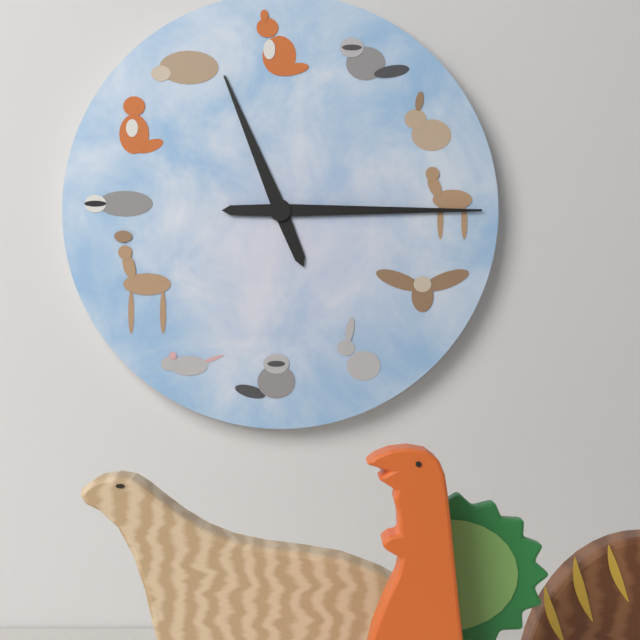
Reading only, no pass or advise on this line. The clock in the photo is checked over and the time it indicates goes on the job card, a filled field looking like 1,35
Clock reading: 11,15
